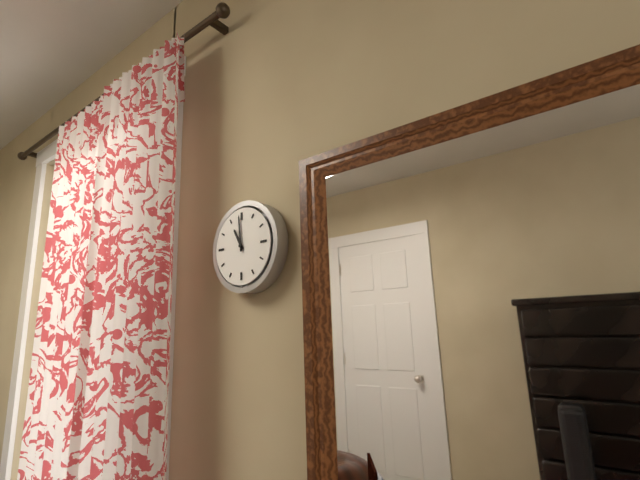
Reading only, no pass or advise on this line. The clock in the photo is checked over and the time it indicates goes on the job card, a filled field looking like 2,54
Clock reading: 10,59
